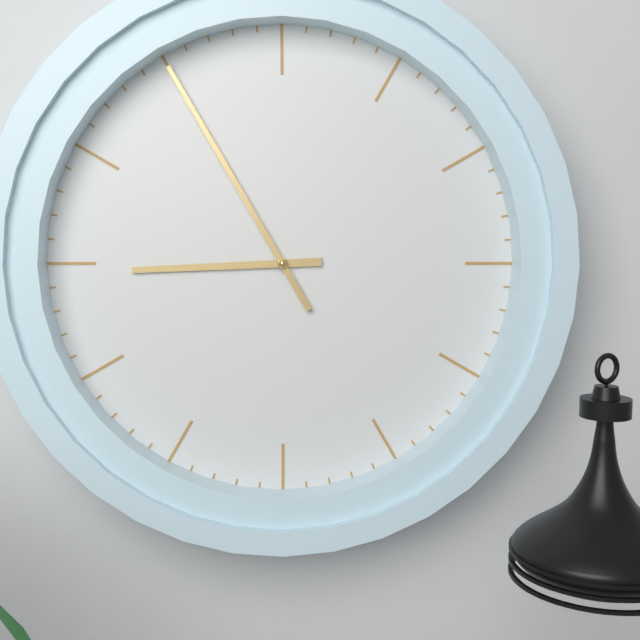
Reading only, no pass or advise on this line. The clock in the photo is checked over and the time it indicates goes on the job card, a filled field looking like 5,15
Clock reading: 8,55
